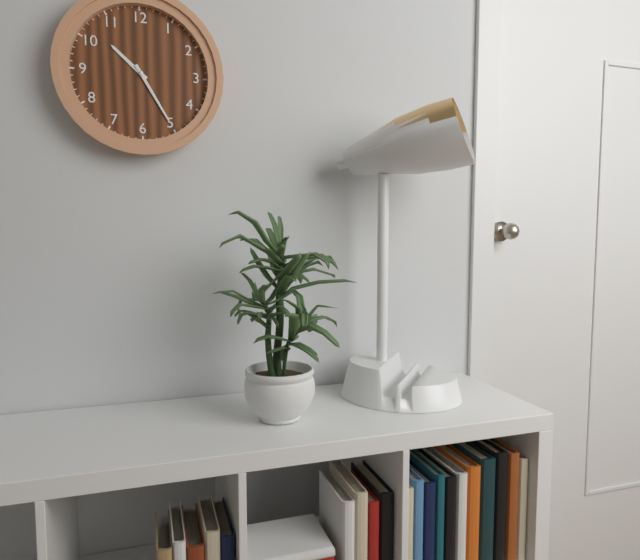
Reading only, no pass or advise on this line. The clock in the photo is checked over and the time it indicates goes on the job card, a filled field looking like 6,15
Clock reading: 10,25
